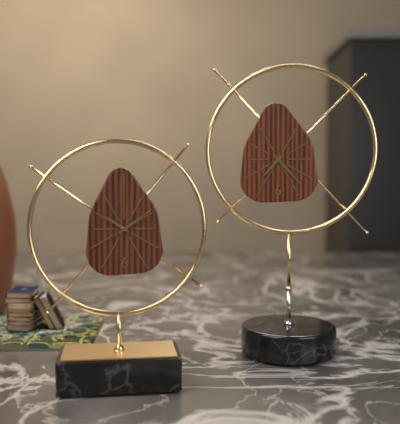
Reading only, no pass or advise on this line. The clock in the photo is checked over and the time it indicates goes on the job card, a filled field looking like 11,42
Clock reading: 7,23
